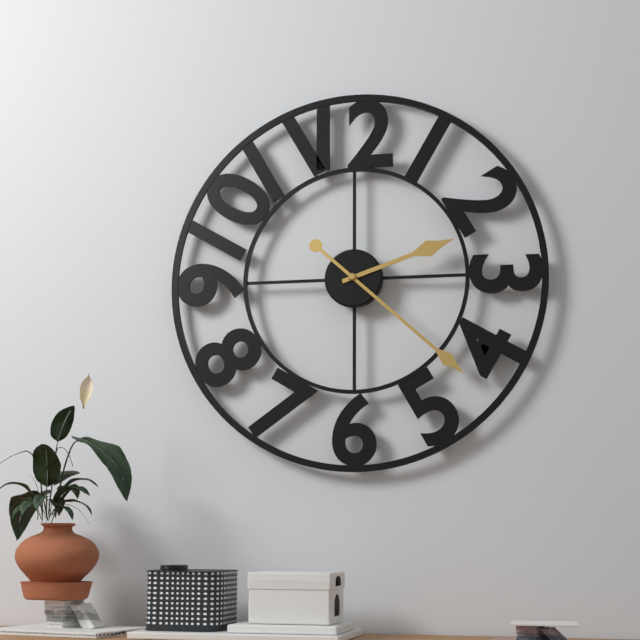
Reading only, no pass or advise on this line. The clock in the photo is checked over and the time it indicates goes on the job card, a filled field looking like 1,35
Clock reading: 2,22
